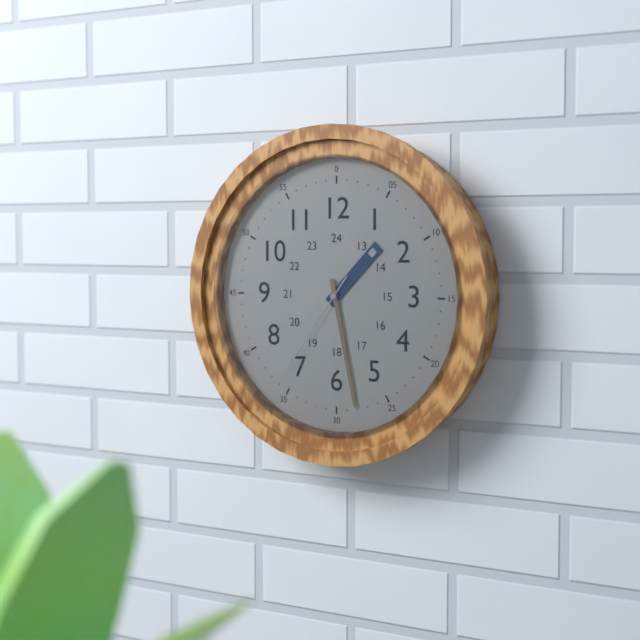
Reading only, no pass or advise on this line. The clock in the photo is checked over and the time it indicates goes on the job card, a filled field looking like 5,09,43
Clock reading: 1,28,36
